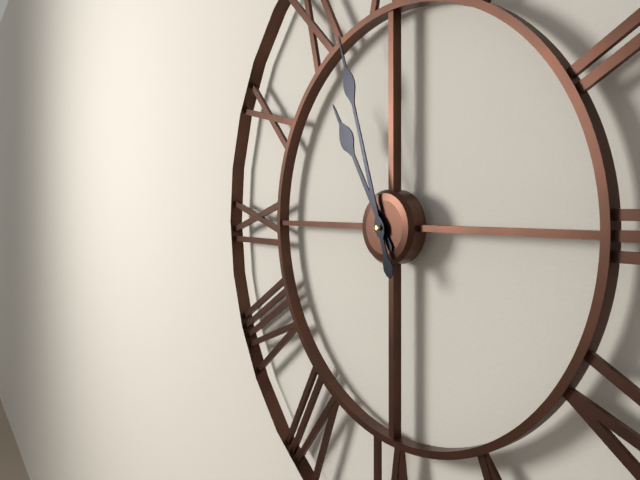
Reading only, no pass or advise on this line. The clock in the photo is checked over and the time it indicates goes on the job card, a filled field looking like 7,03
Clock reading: 10,57
